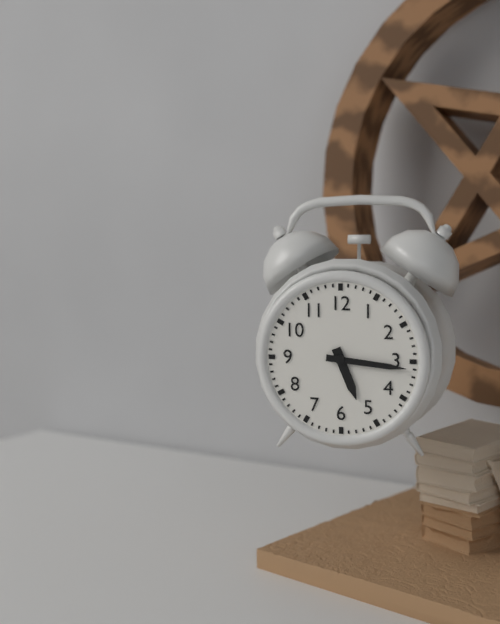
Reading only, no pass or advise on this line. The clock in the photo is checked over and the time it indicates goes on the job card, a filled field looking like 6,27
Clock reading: 5,16
